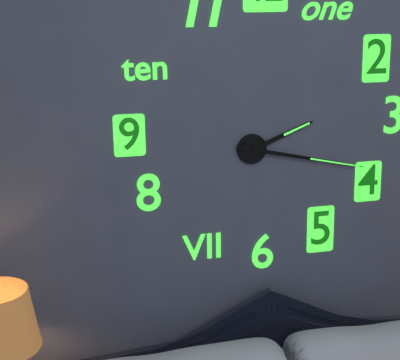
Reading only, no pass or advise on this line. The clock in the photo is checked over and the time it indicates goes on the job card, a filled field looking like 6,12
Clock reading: 2,17
